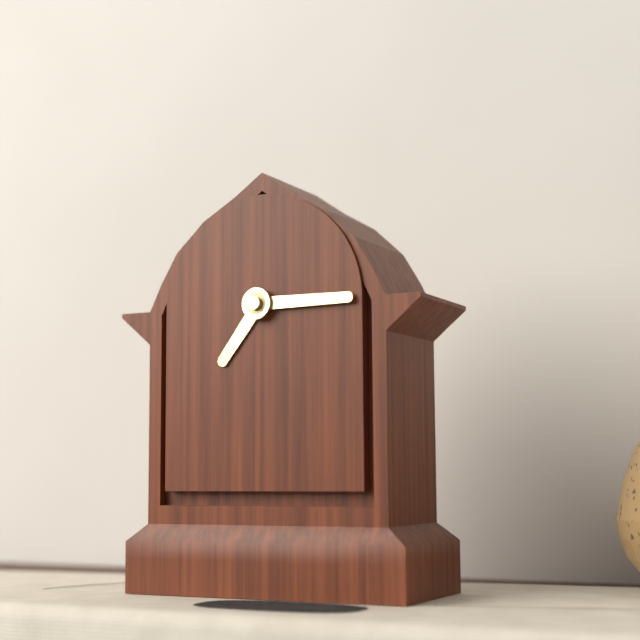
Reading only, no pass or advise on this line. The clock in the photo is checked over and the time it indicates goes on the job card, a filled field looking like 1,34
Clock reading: 7,15
